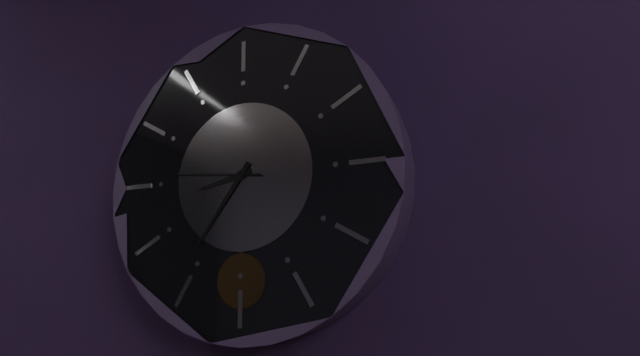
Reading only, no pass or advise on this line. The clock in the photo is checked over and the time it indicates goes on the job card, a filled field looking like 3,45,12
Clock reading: 8,36,46
